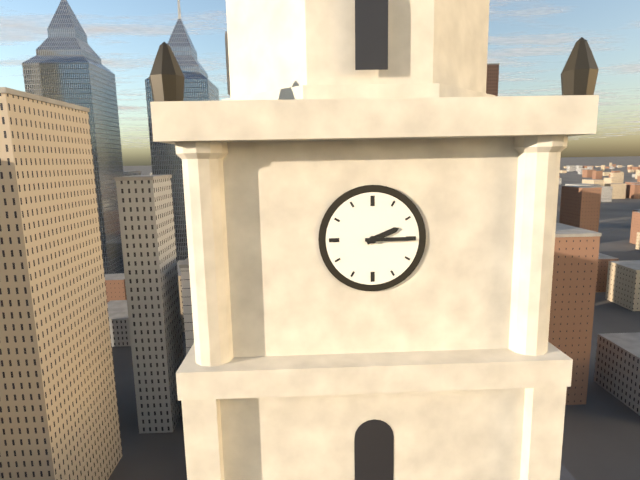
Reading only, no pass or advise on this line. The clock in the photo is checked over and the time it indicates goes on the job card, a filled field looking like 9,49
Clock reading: 2,15
